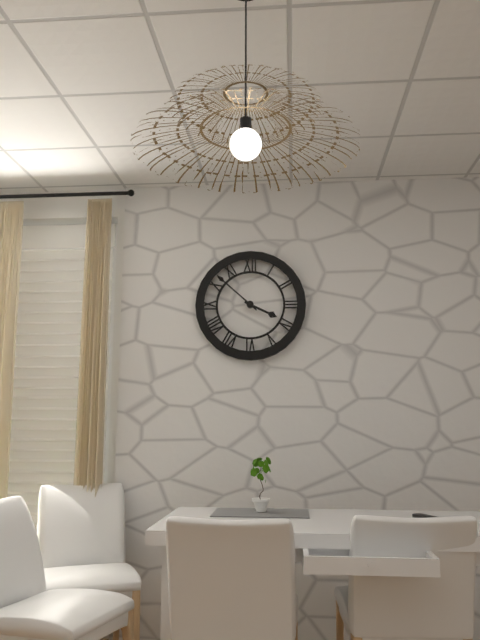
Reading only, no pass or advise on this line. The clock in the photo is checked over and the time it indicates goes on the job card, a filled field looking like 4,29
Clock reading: 3,52
